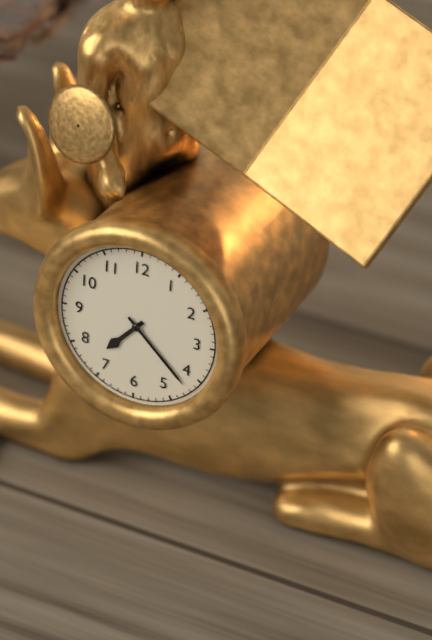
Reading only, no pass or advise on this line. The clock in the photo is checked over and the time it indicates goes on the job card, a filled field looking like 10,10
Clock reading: 7,22
